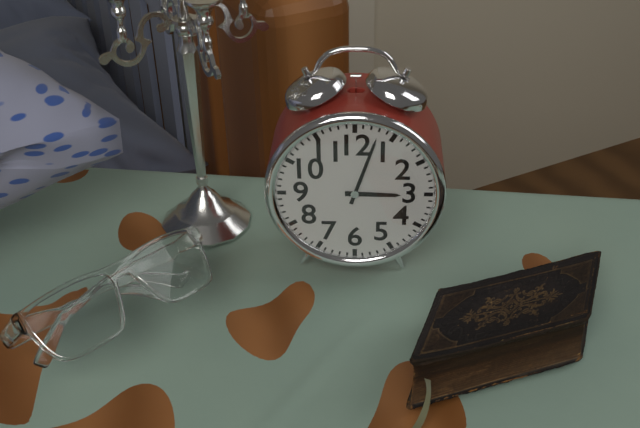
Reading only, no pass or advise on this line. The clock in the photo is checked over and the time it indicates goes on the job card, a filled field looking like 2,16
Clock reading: 3,03
